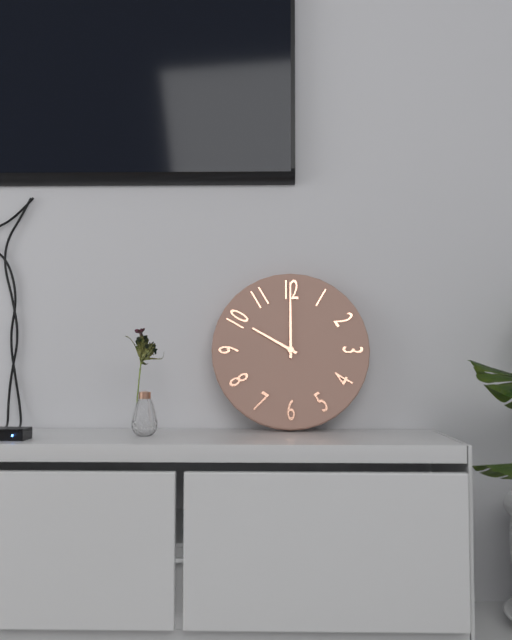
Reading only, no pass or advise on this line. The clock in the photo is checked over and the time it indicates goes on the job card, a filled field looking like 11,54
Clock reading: 10,00
